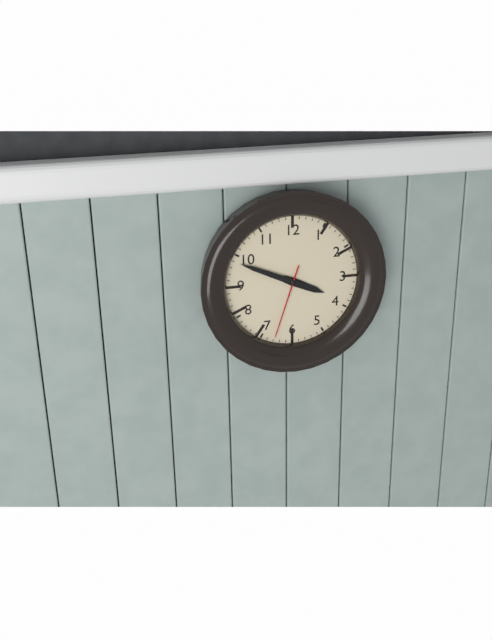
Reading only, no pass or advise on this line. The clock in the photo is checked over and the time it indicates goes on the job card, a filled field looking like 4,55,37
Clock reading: 3,49,33
